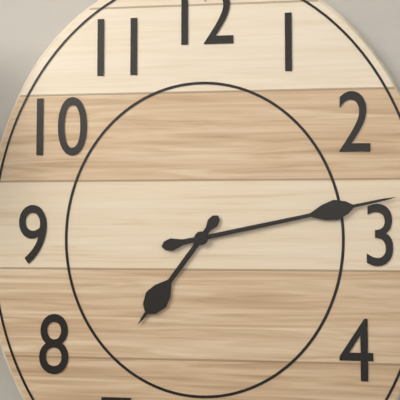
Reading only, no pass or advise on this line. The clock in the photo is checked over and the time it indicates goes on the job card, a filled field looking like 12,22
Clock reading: 7,13
